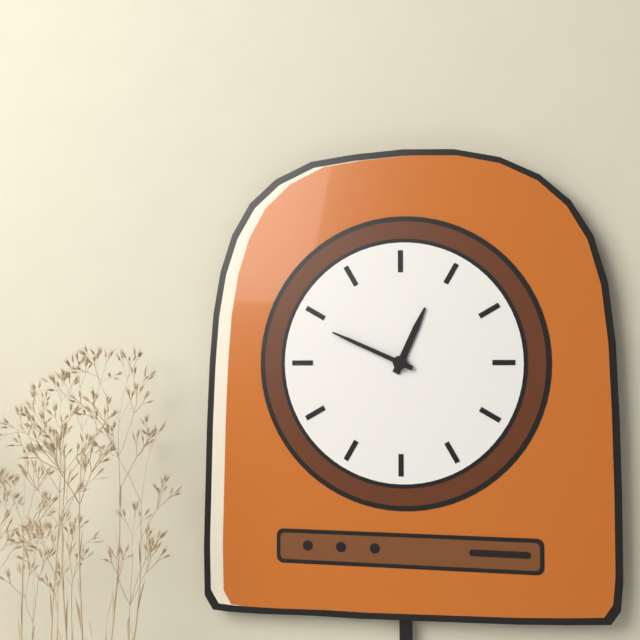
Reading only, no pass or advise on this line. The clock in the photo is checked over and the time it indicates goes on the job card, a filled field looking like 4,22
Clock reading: 12,49
